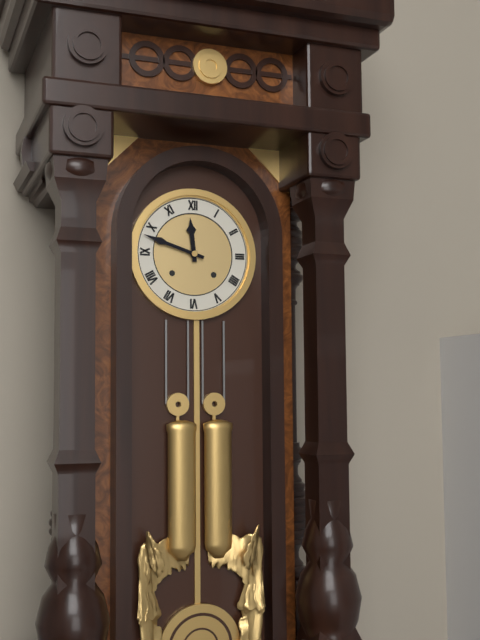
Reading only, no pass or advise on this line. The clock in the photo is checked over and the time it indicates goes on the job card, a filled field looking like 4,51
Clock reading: 11,48
